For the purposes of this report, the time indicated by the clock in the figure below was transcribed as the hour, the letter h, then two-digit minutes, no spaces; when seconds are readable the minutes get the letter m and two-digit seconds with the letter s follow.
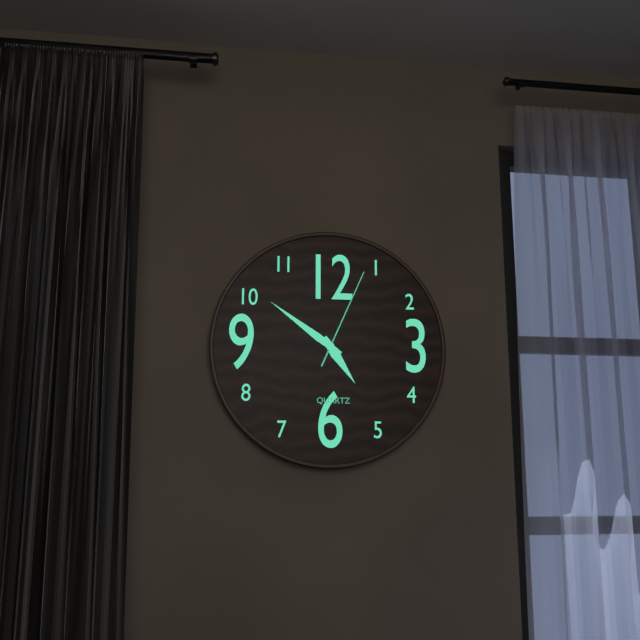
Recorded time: 4h51m04s
